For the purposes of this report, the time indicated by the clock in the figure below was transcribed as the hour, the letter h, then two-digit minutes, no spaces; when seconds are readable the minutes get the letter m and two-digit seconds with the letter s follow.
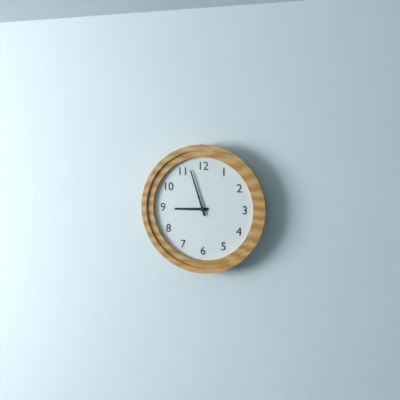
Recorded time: 8h57
